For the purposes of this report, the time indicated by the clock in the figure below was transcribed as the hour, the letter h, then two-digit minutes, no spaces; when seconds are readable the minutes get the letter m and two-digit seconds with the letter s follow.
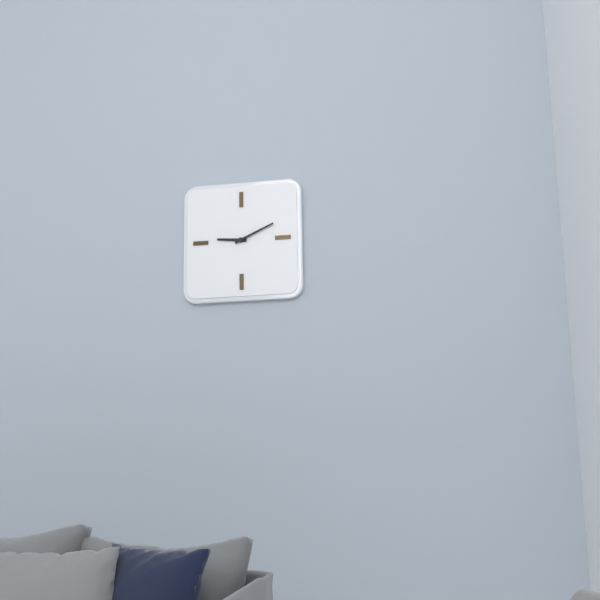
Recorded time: 9h11
